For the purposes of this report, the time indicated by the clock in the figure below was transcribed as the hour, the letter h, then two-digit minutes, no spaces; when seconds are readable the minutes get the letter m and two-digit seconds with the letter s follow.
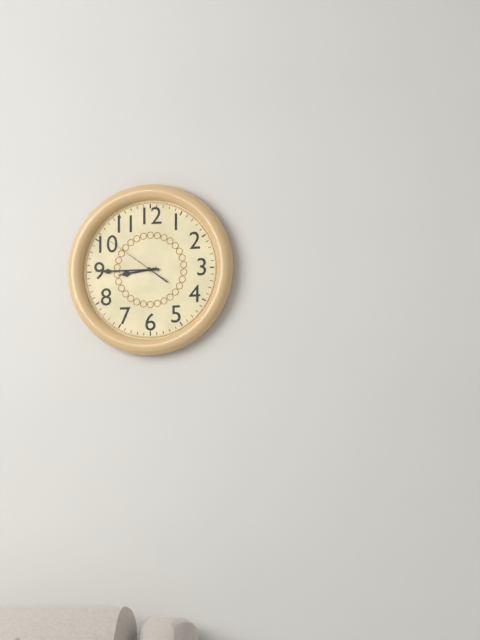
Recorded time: 8h45m51s
